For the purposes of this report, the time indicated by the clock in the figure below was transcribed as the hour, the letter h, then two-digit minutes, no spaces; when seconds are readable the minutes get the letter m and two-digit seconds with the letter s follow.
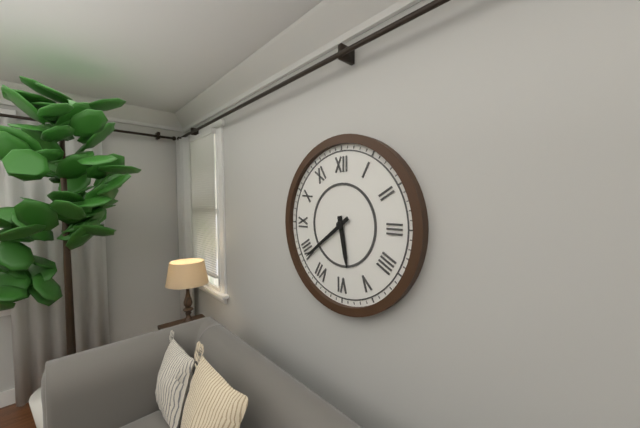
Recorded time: 5h39
